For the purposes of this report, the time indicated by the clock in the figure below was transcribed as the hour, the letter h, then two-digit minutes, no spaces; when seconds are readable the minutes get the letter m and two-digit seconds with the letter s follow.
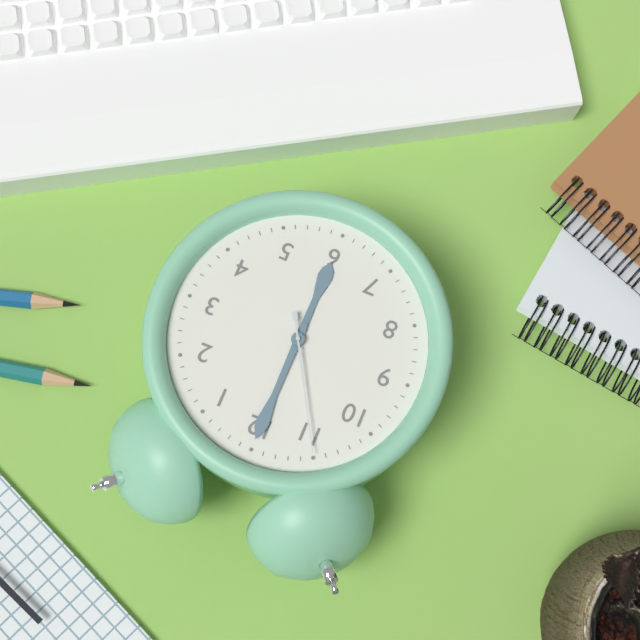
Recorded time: 6h00m55s
